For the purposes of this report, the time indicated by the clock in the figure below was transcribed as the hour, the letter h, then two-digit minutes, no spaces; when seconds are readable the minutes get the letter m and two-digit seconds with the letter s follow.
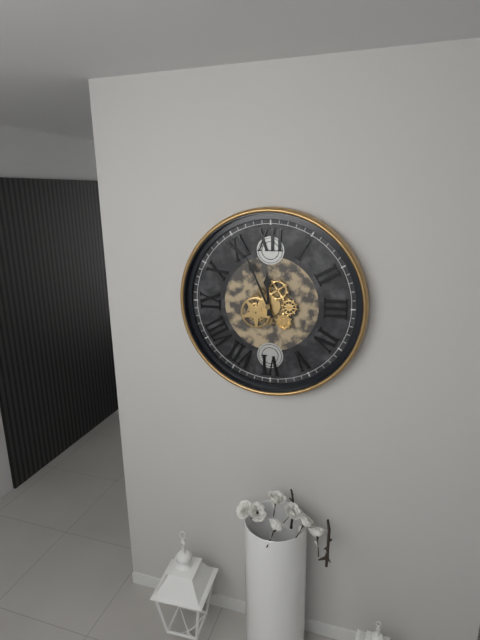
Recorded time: 11h56
